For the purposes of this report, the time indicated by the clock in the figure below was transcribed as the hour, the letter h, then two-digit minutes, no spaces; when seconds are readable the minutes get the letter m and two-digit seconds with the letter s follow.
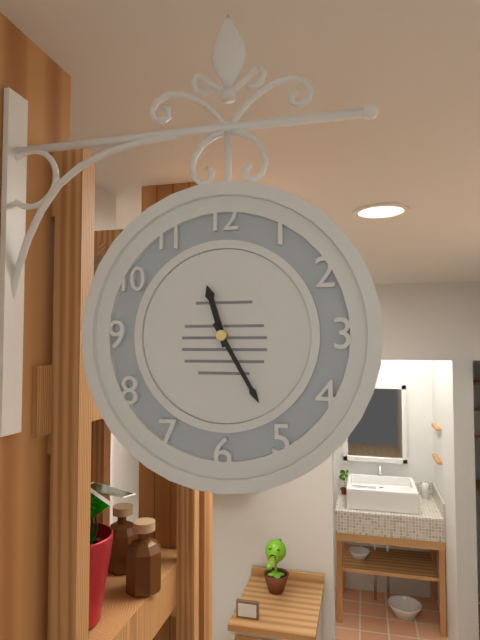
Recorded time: 11h25
